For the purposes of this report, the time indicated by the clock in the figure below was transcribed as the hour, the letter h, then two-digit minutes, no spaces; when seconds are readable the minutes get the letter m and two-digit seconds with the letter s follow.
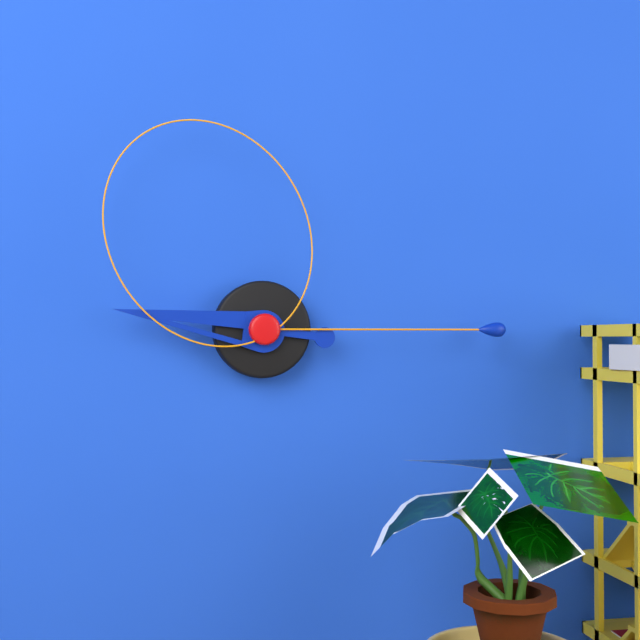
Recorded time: 9h15m55s
